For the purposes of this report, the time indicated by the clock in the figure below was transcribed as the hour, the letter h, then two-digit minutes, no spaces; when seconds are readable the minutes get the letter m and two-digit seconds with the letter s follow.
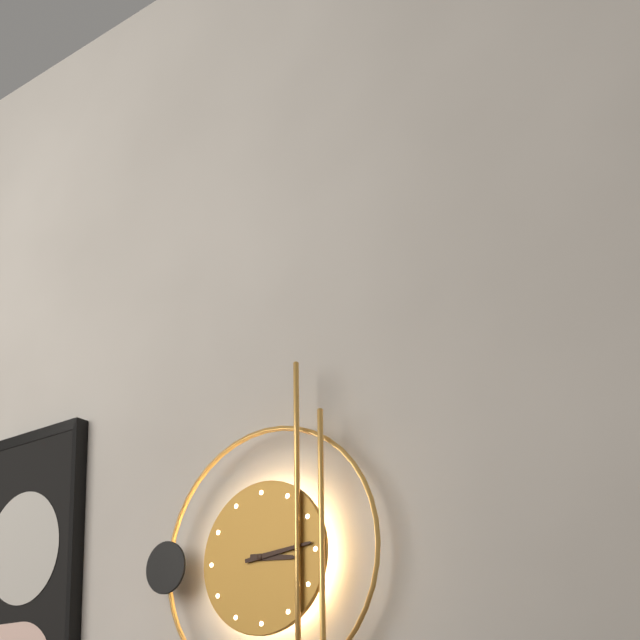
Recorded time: 3h14
